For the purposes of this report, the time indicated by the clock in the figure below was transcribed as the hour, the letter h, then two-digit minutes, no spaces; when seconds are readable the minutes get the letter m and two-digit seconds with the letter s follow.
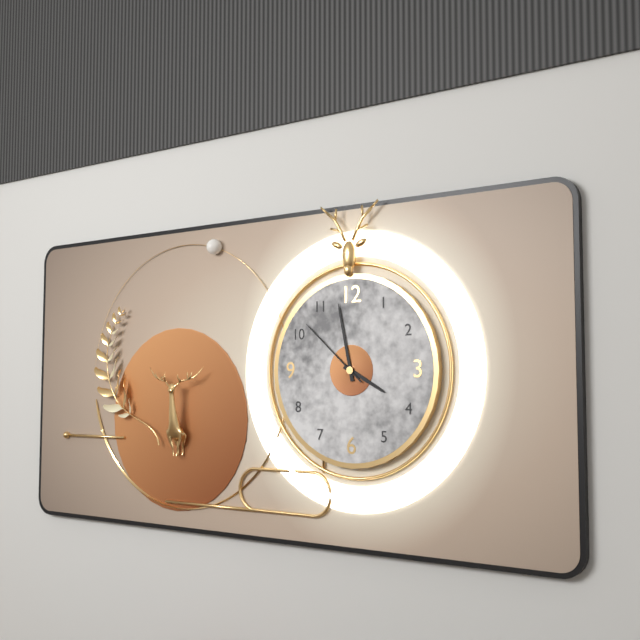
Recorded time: 3h58m52s
